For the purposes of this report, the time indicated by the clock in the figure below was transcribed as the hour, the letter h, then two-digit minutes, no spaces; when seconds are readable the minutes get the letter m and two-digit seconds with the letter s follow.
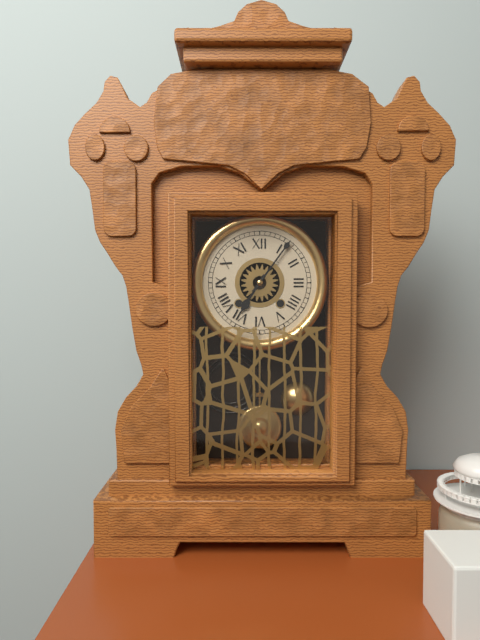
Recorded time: 7h06
